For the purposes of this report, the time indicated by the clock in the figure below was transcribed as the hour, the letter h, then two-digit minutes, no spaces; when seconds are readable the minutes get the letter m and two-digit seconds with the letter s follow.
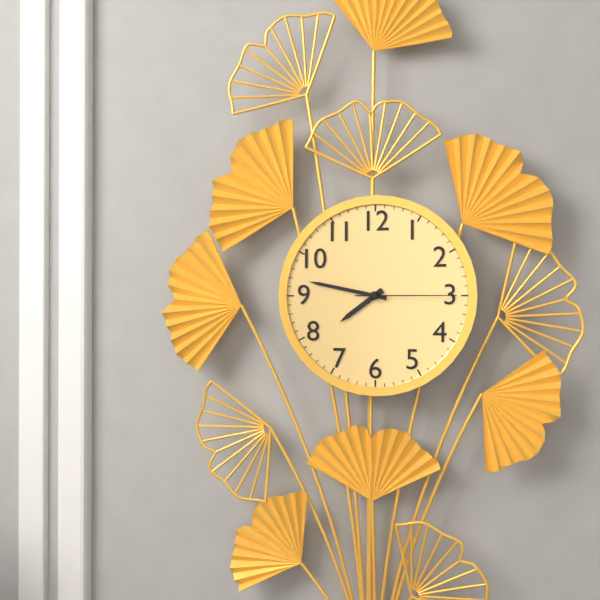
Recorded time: 7h47m15s
